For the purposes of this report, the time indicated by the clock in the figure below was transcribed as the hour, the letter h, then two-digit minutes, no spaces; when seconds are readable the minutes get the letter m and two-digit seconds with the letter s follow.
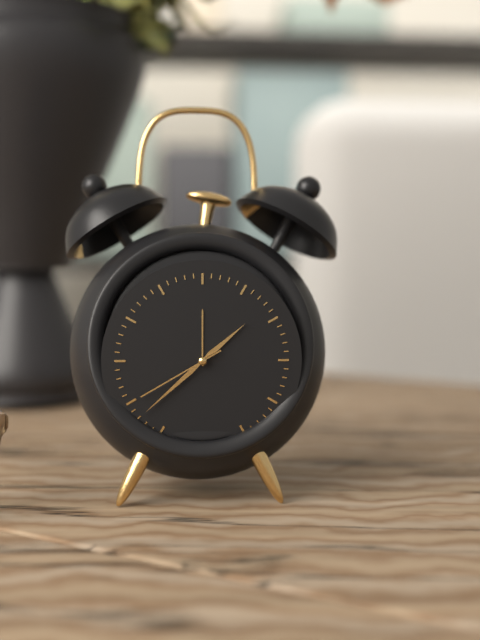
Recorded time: 1h38m40s
